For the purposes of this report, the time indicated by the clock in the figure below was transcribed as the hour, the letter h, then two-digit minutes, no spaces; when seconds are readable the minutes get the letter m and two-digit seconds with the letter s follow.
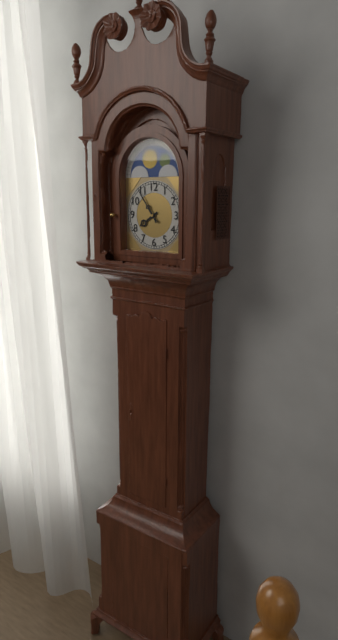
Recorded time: 7h54
